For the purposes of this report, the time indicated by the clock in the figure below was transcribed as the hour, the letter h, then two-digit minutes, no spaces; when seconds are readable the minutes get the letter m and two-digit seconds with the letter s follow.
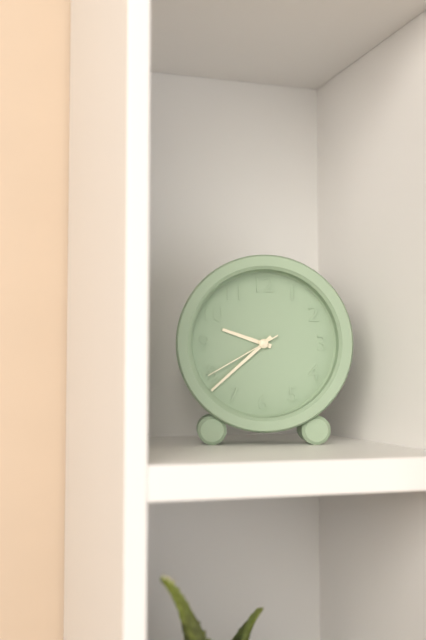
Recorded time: 9h38m40s
